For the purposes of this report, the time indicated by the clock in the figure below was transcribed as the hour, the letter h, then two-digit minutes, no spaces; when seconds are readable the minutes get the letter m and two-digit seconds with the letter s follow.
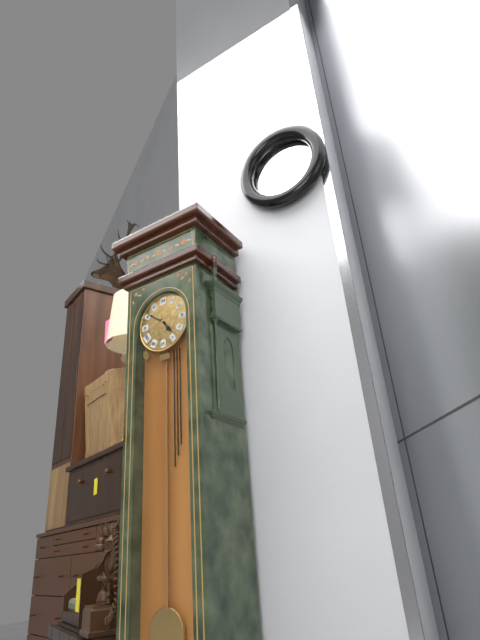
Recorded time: 4h51
